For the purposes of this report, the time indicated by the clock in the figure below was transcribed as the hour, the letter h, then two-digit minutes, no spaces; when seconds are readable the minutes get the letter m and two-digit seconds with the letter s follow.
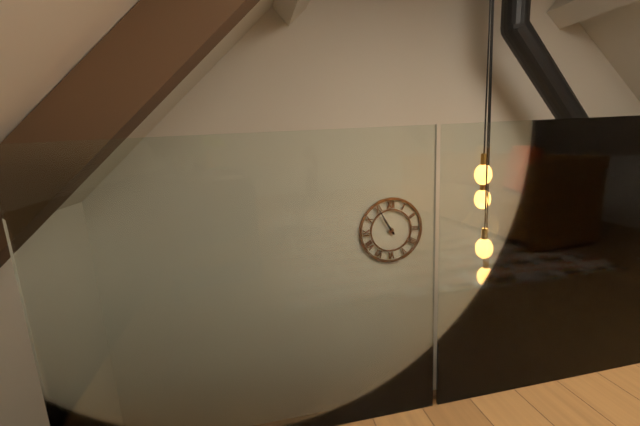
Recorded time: 10h55
